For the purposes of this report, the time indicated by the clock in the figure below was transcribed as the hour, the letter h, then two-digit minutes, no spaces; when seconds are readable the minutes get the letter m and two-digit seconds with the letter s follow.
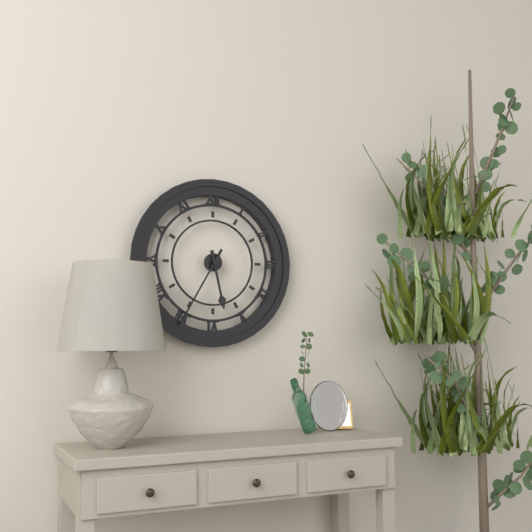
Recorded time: 5h35
